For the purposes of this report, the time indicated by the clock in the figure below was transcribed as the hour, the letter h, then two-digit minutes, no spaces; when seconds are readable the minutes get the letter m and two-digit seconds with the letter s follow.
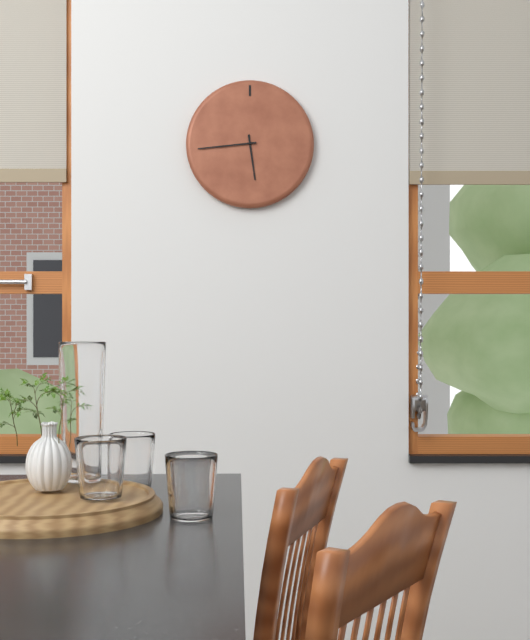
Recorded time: 5h44
